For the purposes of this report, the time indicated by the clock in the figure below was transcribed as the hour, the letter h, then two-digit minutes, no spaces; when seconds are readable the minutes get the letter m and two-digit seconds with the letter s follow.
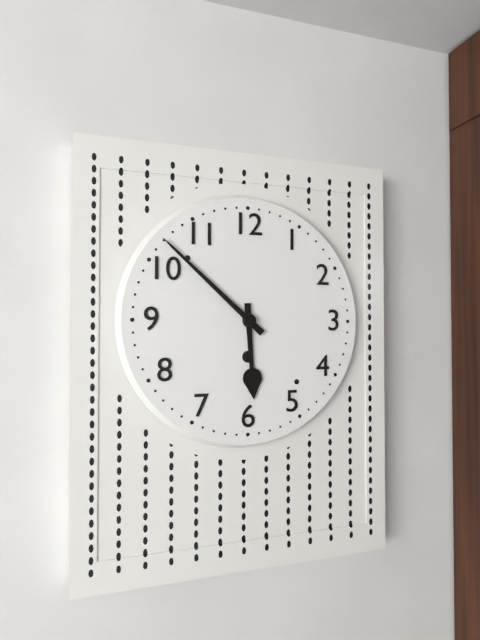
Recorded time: 5h52
